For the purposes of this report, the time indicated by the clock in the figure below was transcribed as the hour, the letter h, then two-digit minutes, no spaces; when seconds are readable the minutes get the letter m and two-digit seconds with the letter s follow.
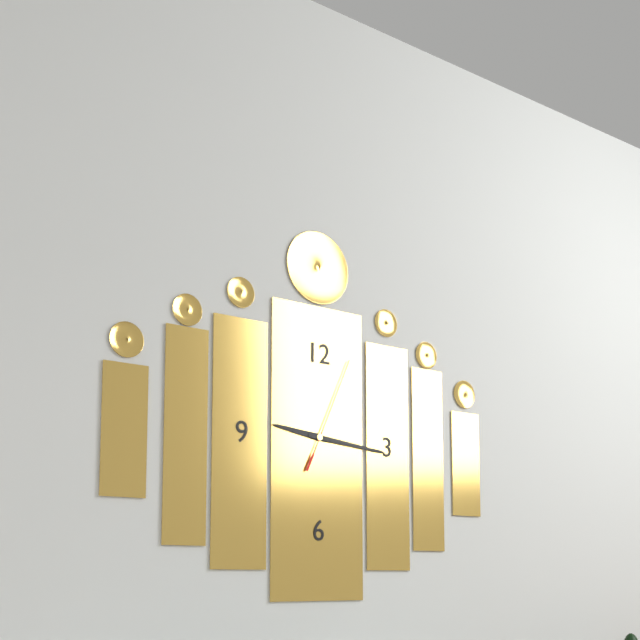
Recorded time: 9h16m04s
